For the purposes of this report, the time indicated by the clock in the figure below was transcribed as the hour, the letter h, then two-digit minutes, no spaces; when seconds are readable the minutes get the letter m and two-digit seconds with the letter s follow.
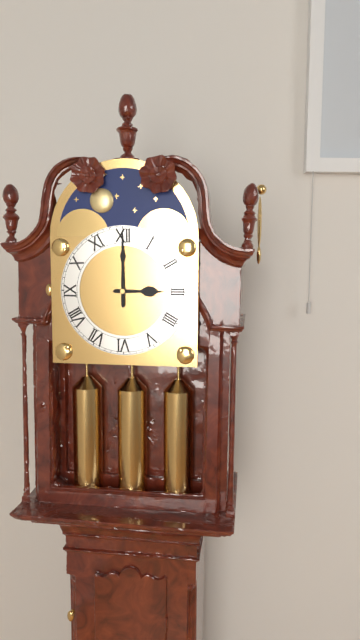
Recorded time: 3h00
